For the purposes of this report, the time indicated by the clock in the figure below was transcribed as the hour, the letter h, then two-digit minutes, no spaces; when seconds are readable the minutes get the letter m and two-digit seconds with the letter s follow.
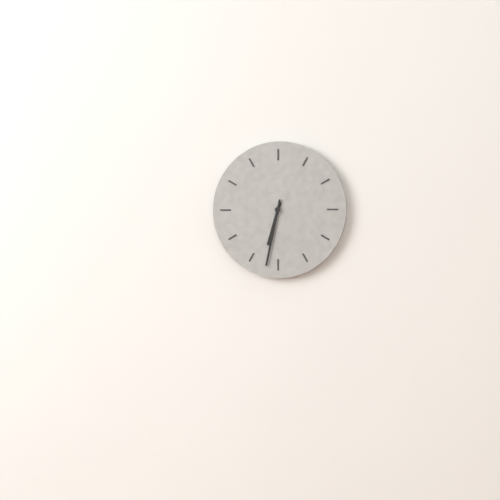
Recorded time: 6h32
